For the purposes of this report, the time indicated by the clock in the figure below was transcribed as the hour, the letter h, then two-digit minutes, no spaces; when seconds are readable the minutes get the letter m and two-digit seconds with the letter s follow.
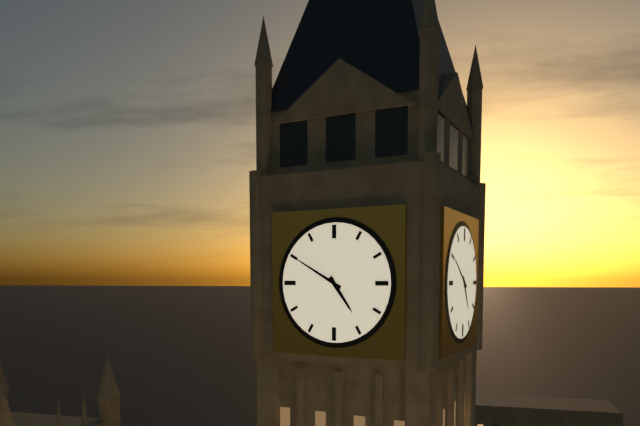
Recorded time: 4h50
